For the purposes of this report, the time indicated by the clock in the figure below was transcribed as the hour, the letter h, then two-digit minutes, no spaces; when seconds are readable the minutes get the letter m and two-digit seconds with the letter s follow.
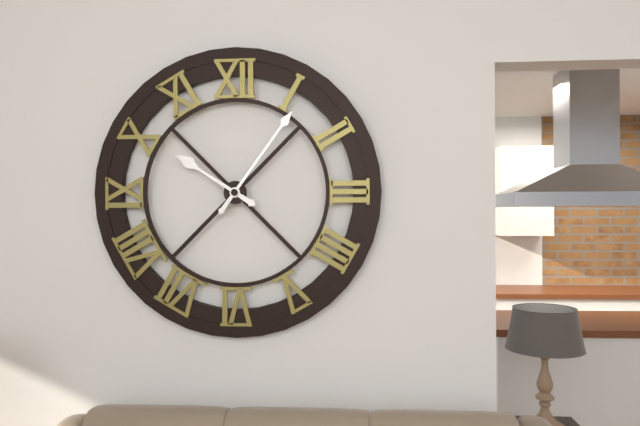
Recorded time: 10h06
